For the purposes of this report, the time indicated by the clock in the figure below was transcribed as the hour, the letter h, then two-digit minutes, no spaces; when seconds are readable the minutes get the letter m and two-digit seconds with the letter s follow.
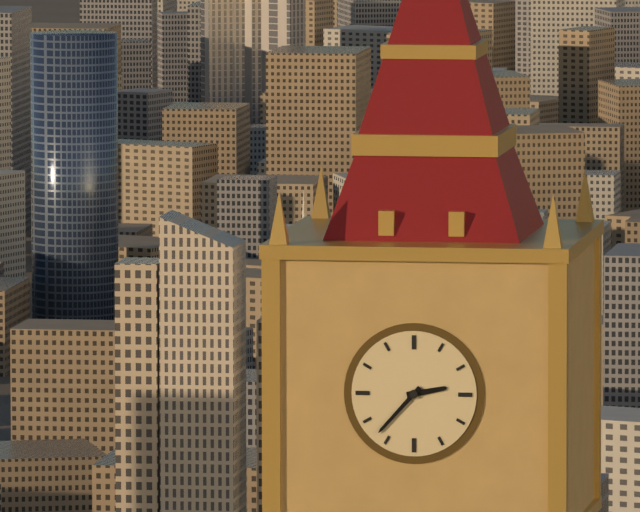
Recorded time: 2h37
